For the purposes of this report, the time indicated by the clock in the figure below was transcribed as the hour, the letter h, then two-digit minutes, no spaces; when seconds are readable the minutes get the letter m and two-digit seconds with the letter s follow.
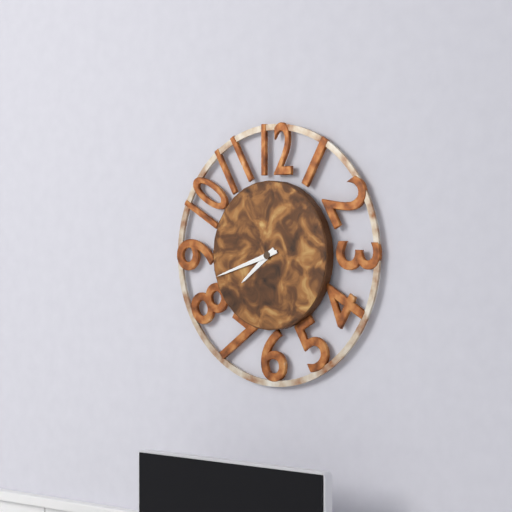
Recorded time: 7h42
